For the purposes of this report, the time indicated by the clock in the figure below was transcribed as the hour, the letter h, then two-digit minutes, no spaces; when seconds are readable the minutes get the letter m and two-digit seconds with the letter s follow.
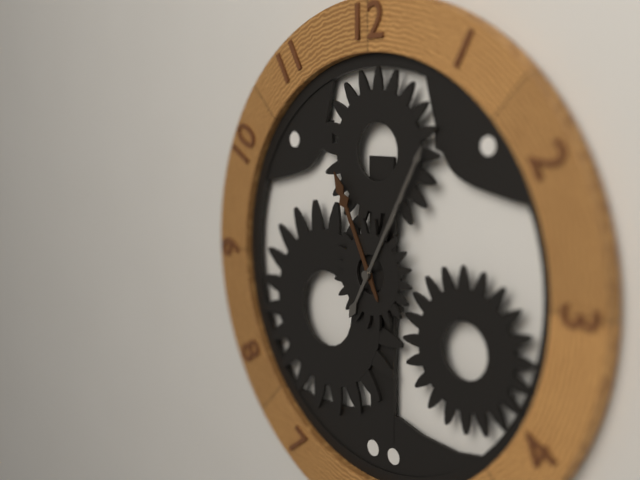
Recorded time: 11h05
